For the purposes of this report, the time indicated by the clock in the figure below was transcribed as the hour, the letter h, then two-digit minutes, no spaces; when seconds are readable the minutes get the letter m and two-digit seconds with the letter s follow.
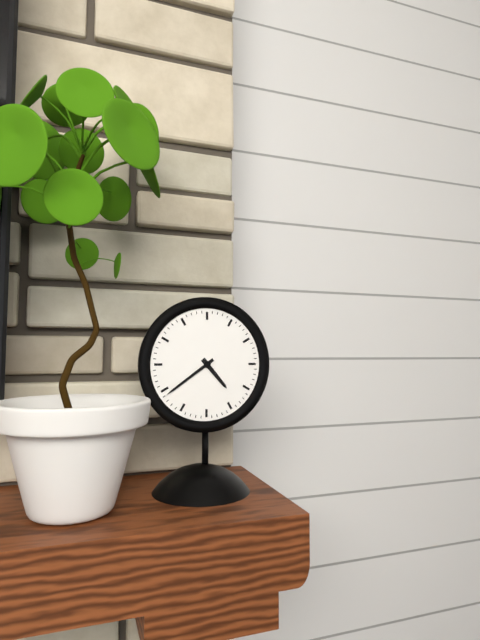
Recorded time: 4h39
